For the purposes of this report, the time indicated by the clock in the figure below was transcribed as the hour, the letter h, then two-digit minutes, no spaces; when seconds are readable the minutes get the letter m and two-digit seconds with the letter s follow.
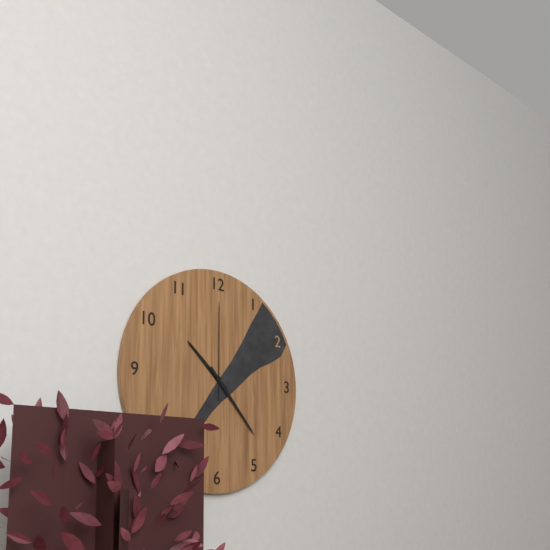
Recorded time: 10h23m00s
